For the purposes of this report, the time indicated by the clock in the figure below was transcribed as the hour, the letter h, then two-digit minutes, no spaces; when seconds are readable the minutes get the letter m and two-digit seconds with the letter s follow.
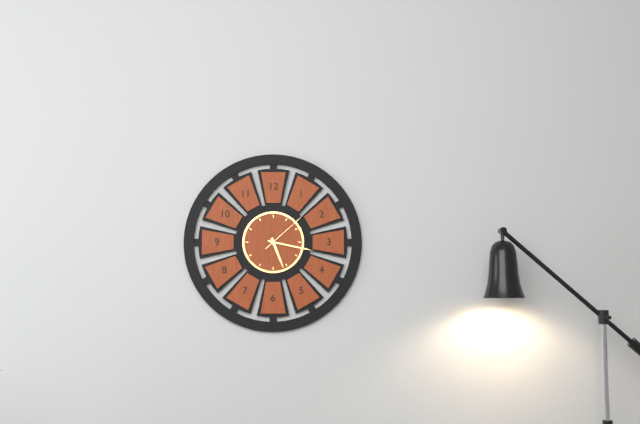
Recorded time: 5h17
